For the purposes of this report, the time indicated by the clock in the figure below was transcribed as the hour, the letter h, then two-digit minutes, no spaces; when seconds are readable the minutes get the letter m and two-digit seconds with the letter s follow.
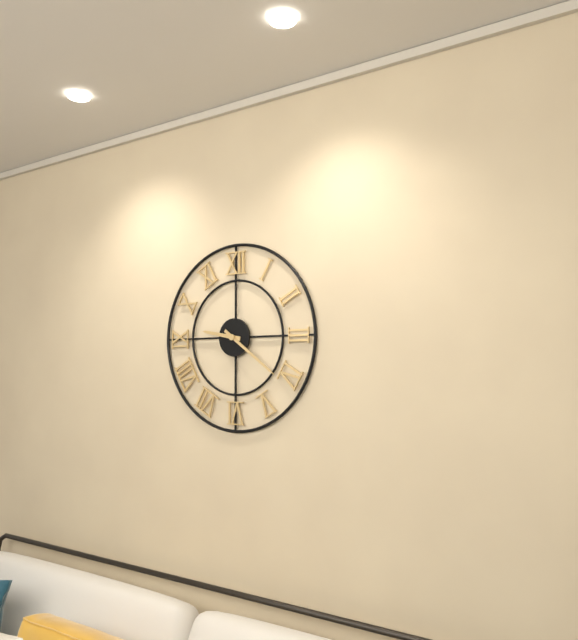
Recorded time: 9h21
